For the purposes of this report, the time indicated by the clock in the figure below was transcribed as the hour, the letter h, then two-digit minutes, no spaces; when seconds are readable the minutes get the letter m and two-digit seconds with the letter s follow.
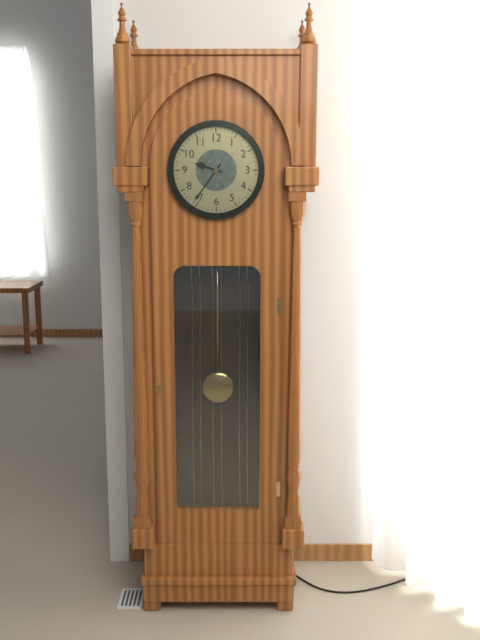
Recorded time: 9h36
